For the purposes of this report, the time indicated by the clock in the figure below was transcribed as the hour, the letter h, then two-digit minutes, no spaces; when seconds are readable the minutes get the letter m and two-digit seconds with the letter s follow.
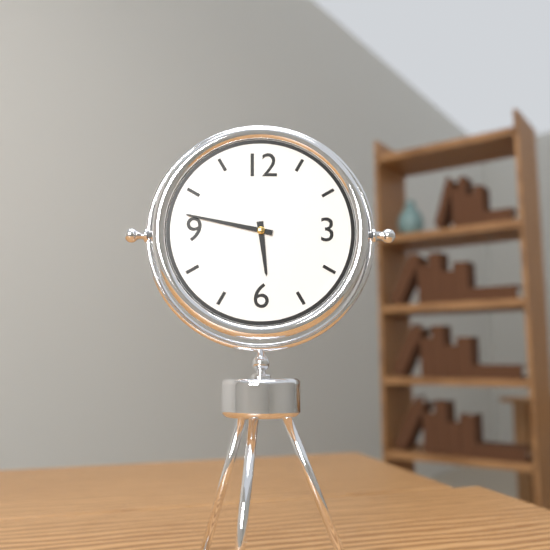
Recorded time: 5h47
